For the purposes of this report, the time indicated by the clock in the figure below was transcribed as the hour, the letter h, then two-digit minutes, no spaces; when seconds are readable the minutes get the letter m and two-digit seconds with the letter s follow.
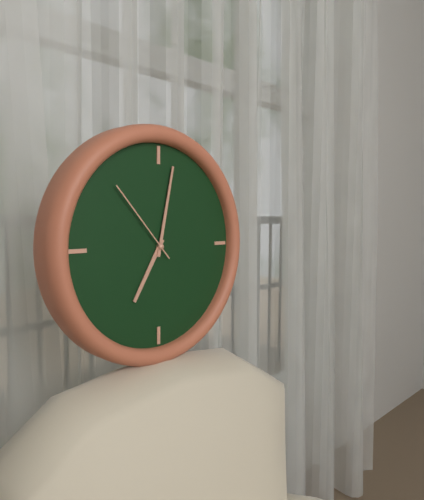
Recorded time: 7h02m53s
